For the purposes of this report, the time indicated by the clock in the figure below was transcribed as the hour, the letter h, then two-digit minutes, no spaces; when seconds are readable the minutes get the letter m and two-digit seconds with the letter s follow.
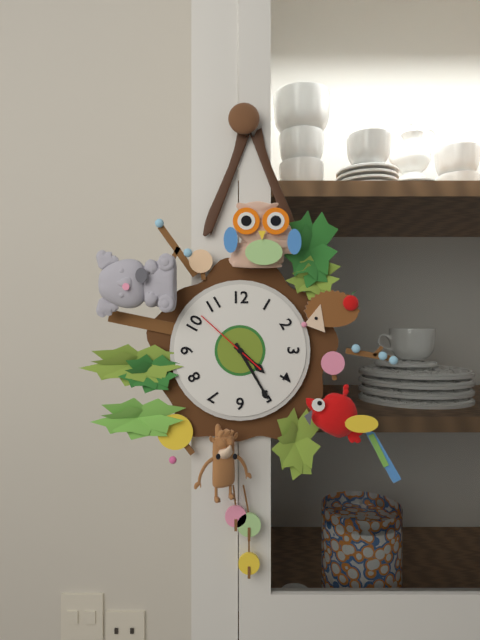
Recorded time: 4h25m52s
